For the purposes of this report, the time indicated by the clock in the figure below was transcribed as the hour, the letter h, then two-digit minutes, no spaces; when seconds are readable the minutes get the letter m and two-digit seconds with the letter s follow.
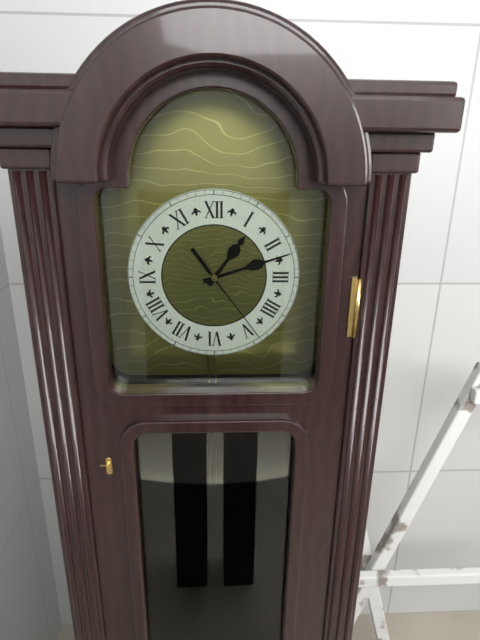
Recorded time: 1h12m24s
